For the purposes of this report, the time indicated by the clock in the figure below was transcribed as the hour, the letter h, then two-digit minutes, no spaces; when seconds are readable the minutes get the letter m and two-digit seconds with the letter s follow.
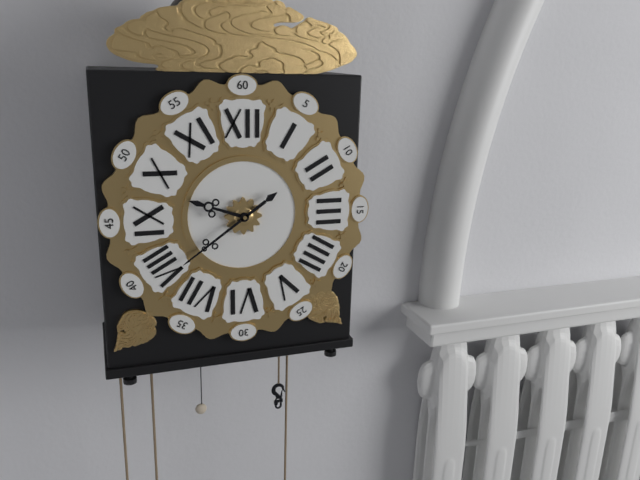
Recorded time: 9h39
